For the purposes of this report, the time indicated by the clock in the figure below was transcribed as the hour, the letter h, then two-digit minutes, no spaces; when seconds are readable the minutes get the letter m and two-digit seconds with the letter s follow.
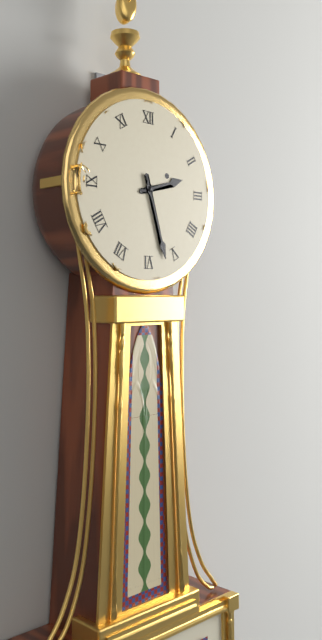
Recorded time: 2h27
